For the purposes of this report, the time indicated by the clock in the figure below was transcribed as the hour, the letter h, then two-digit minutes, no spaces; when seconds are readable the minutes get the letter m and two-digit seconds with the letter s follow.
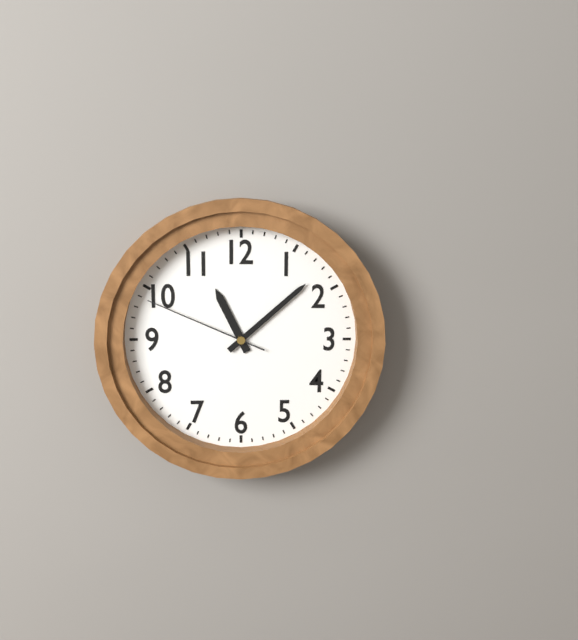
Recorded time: 11h08m49s
